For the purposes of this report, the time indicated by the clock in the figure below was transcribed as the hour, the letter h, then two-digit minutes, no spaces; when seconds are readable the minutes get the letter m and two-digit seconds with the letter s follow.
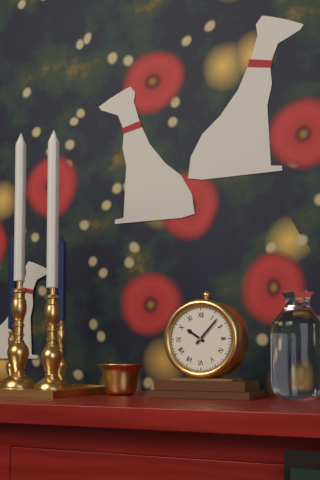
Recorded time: 10h07
